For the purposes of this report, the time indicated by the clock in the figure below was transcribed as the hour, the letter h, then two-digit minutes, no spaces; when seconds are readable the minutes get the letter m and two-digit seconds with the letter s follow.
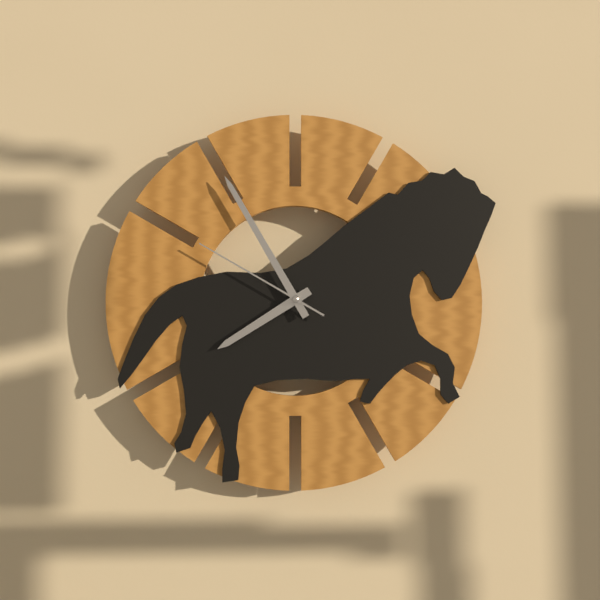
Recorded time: 7h55m50s
